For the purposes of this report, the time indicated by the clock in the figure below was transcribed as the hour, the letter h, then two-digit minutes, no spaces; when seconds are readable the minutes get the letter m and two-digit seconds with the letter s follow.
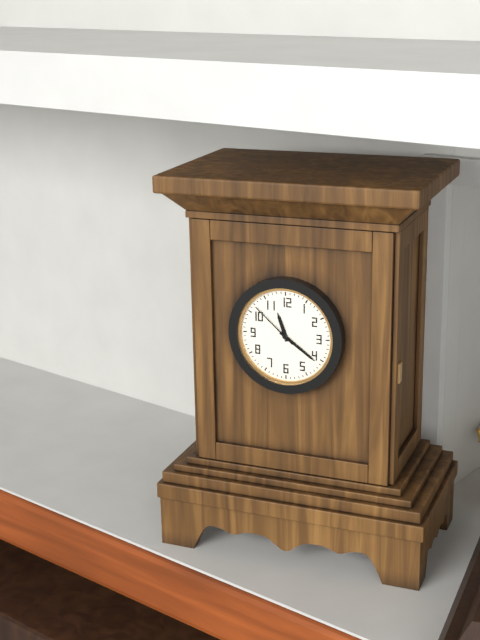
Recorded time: 11h21m52s
